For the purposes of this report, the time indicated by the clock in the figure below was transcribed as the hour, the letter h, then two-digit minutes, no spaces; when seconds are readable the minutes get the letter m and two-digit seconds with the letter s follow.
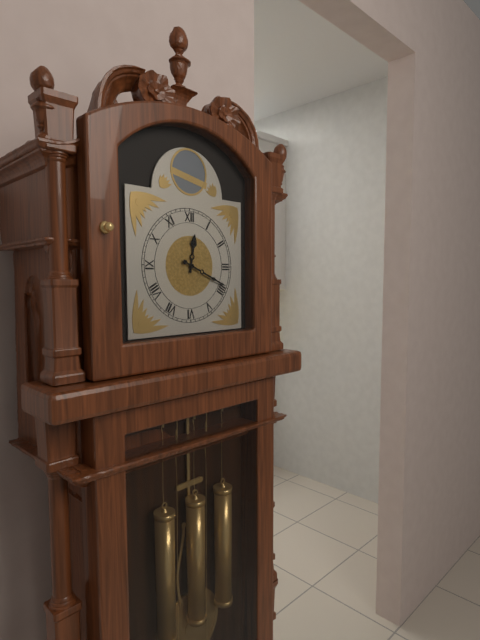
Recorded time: 12h19
